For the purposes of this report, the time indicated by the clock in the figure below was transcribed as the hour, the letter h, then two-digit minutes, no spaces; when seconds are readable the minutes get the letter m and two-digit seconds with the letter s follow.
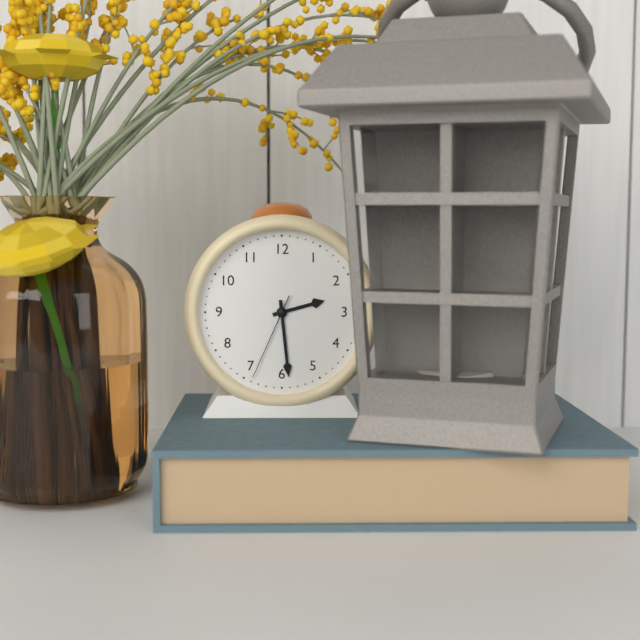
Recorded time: 2h29m34s
